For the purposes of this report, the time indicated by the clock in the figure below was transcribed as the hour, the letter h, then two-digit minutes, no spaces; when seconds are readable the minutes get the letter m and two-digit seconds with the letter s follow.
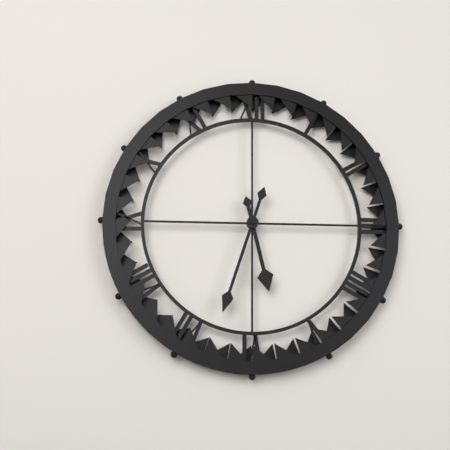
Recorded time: 5h33
